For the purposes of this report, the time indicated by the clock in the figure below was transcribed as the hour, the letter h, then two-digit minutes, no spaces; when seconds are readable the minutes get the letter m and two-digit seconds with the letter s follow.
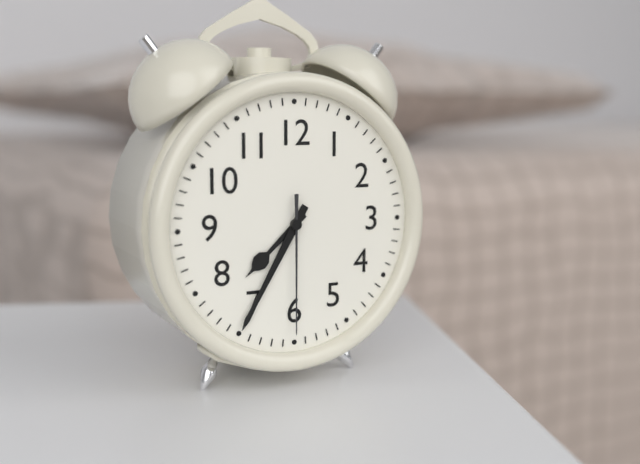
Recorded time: 7h35m30s
